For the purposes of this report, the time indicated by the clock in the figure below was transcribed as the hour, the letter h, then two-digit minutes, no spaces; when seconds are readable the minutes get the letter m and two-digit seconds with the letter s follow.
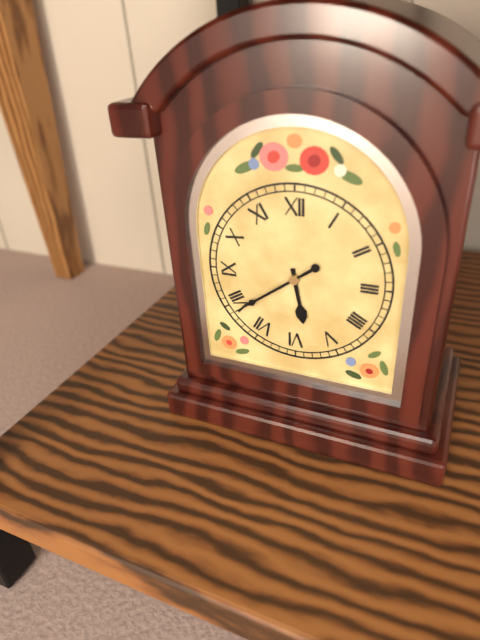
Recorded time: 5h39
